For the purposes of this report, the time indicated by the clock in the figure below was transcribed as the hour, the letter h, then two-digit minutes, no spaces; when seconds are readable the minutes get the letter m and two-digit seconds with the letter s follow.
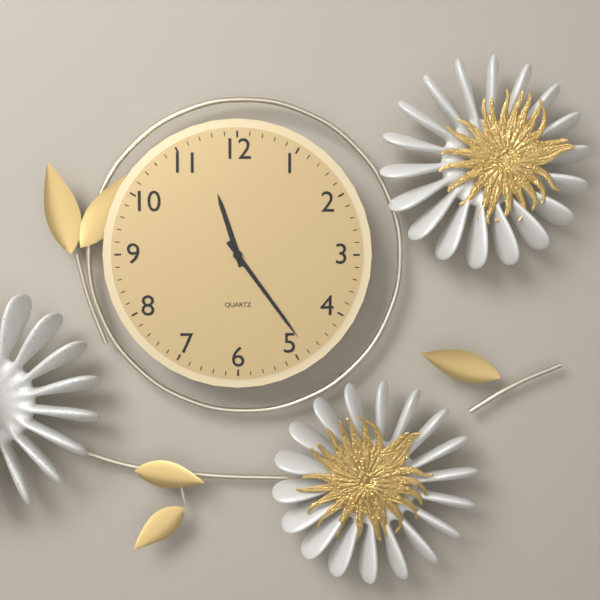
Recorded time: 11h24
